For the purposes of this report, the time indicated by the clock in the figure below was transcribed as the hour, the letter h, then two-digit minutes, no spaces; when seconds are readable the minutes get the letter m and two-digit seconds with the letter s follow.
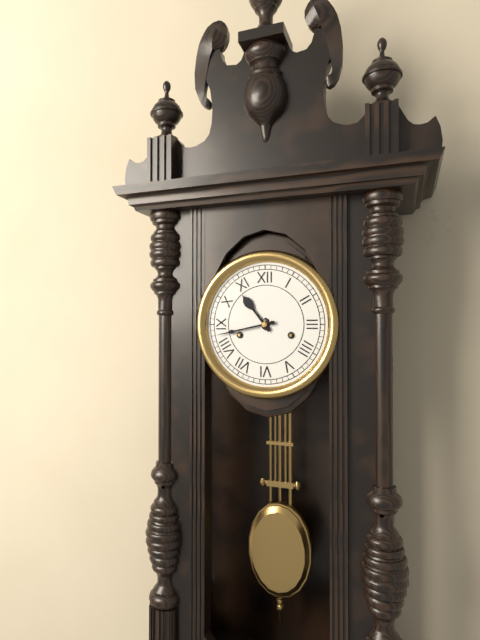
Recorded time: 10h43
